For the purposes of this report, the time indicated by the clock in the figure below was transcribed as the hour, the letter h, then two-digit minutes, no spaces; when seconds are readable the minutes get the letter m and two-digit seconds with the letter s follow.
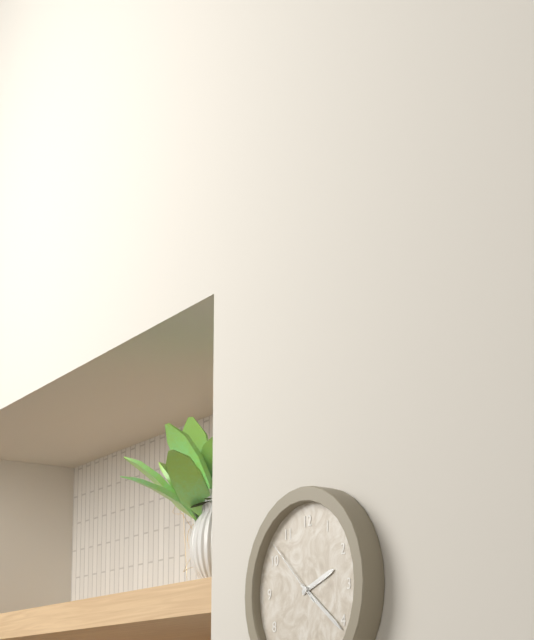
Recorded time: 2h21m52s
